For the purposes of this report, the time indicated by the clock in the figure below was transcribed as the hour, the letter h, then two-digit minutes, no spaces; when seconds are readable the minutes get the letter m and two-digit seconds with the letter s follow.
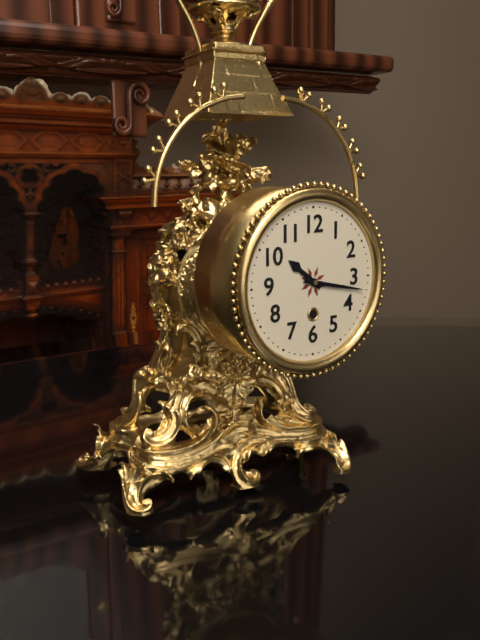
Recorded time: 10h17
